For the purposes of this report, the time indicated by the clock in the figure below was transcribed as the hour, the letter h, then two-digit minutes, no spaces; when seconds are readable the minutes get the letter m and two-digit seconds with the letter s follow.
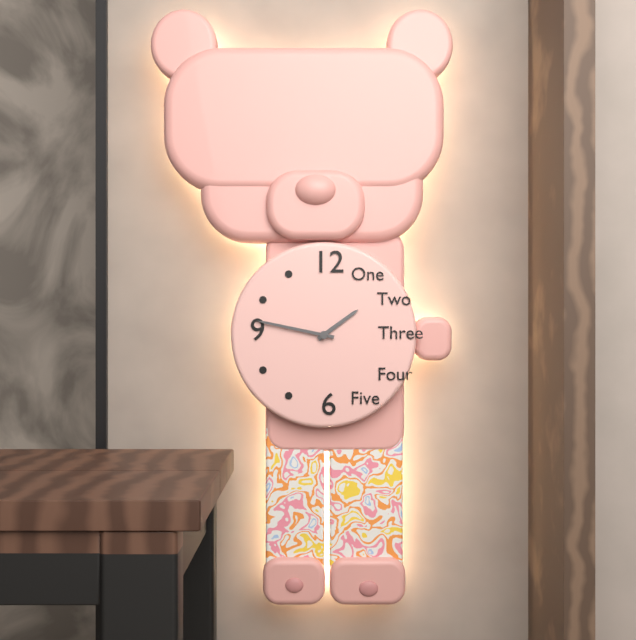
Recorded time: 1h47
